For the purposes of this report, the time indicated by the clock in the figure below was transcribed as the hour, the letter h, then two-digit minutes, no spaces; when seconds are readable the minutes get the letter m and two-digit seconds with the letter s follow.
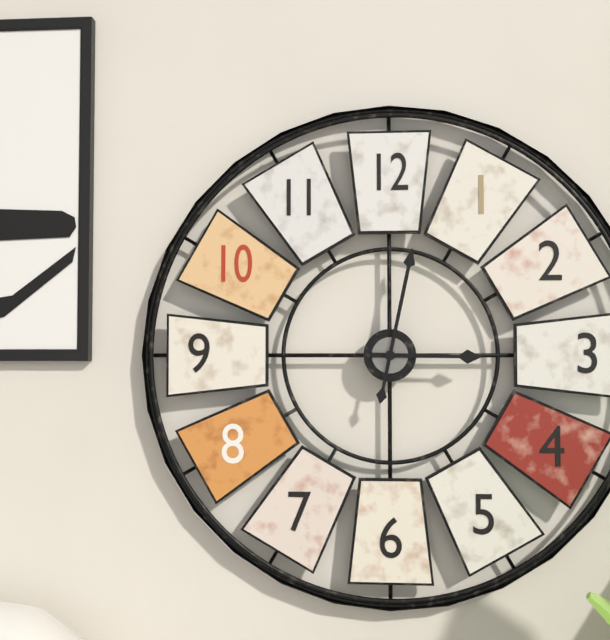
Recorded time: 3h02
